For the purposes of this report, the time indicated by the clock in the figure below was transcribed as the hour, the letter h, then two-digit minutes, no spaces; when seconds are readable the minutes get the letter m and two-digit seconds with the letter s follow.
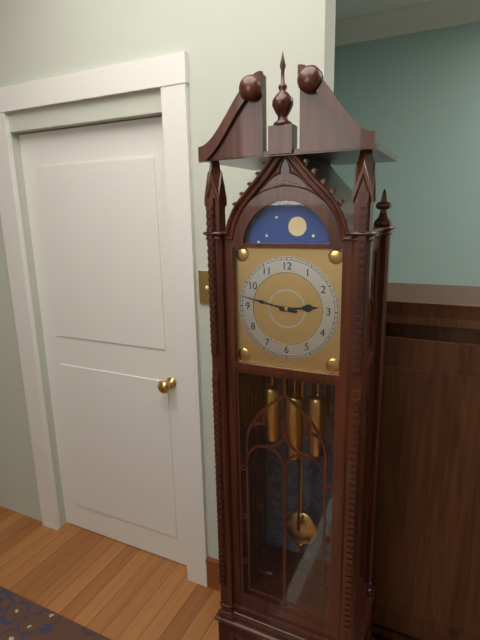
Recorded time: 2h47
